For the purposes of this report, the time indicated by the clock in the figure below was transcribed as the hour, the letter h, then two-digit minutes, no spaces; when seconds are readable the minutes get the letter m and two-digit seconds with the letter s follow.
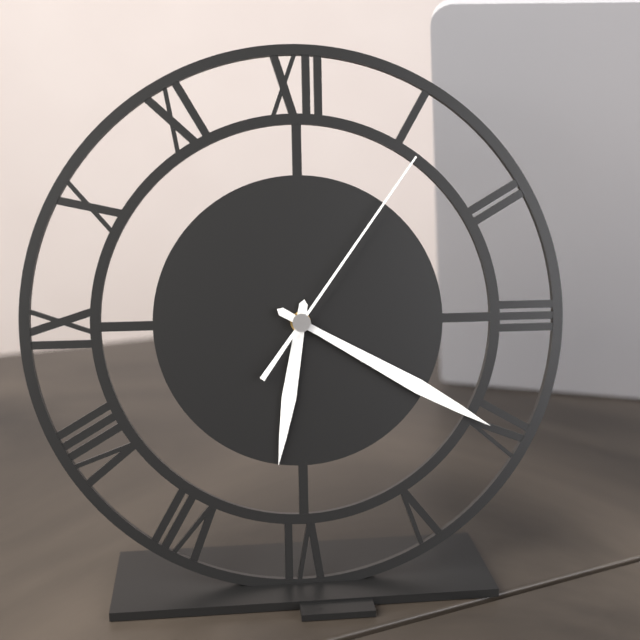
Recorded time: 6h20m06s
